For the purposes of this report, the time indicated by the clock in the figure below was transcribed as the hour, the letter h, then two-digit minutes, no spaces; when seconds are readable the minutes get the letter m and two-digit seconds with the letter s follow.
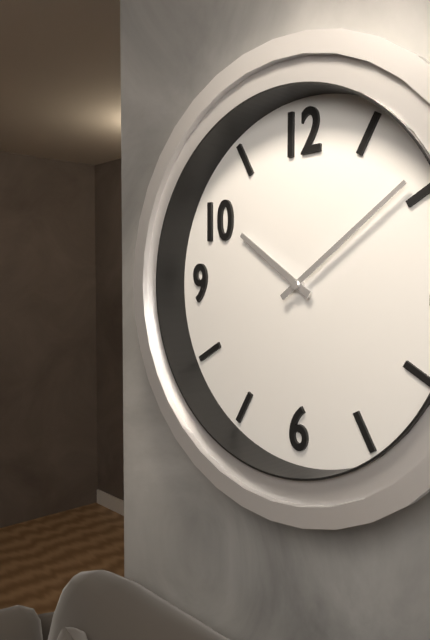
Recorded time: 10h09
